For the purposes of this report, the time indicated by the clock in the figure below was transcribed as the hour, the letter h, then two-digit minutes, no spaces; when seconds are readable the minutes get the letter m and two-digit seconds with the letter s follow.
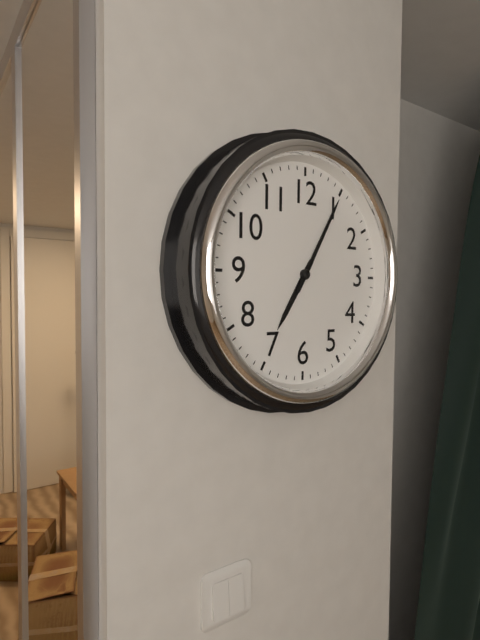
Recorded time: 7h05
